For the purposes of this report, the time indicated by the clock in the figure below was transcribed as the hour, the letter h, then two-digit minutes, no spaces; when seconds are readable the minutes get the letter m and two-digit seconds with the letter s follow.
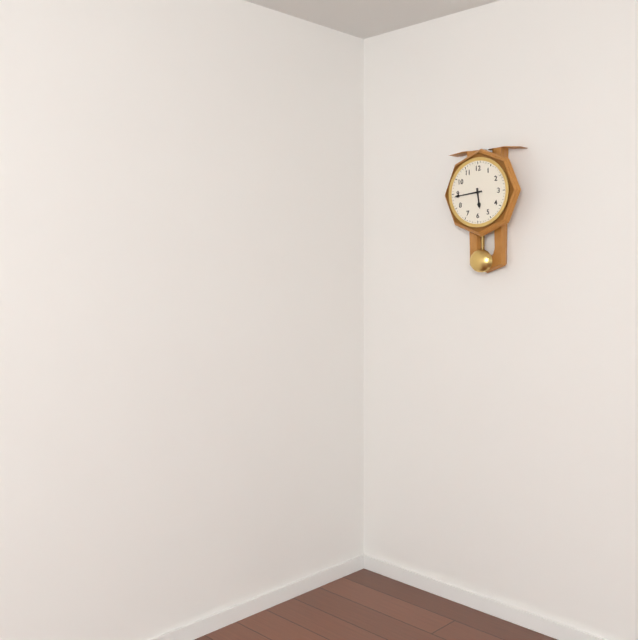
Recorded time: 5h44
